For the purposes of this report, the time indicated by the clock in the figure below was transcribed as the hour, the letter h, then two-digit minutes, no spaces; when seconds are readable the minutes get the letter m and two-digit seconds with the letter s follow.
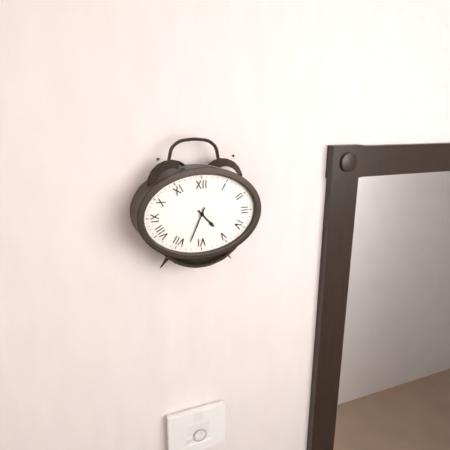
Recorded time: 4h34
